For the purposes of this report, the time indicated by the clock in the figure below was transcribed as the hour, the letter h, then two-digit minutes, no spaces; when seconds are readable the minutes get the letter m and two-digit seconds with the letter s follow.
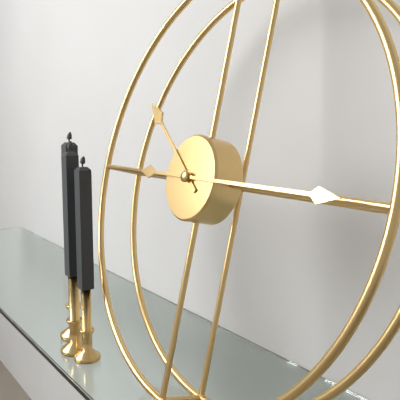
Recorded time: 10h15
